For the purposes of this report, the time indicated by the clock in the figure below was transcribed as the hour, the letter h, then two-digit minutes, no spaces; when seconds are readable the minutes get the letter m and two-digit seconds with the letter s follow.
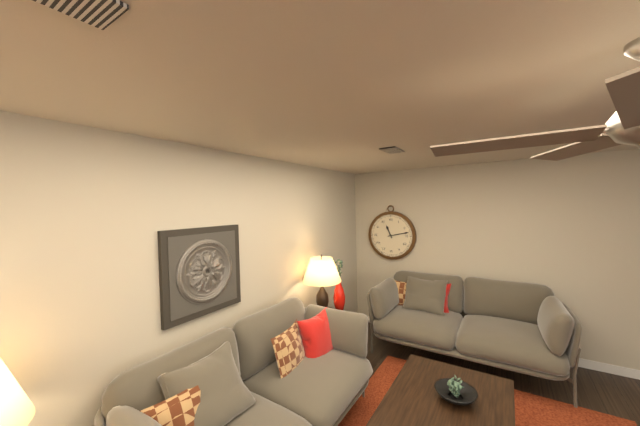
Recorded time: 11h13
